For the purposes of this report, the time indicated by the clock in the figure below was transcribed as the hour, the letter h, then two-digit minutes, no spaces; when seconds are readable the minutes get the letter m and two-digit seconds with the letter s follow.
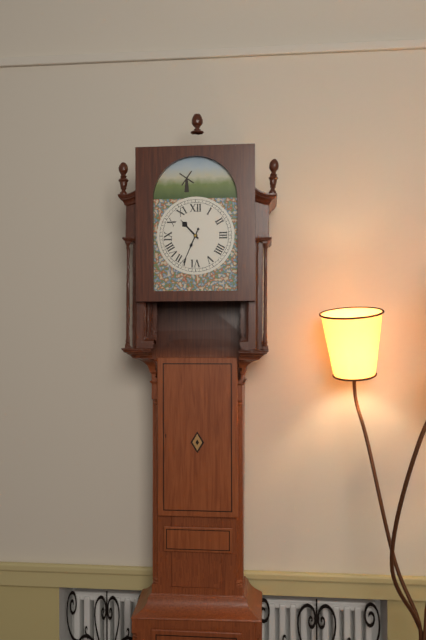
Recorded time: 10h34
